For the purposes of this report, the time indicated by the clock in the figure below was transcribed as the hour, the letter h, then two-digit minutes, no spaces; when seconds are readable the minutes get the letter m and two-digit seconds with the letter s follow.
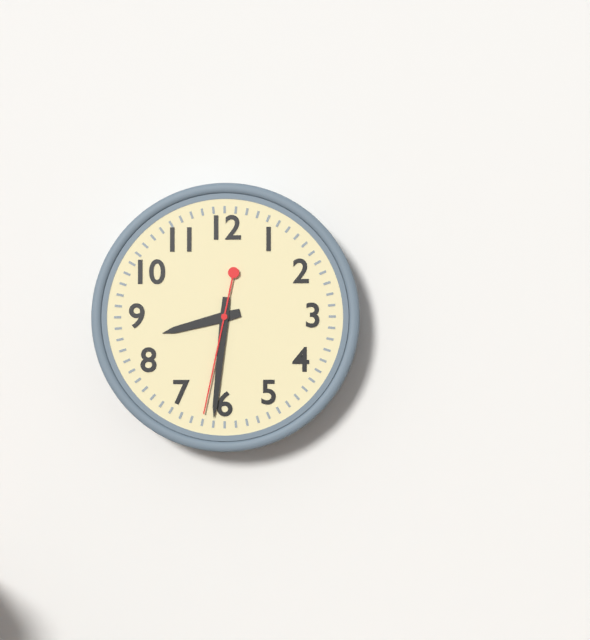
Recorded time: 8h31m32s
